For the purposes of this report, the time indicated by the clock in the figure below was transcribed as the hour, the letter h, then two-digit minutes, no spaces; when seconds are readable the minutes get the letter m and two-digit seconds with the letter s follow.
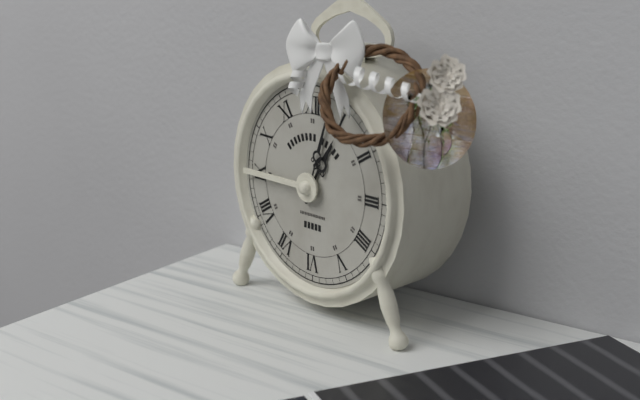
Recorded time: 1h03
